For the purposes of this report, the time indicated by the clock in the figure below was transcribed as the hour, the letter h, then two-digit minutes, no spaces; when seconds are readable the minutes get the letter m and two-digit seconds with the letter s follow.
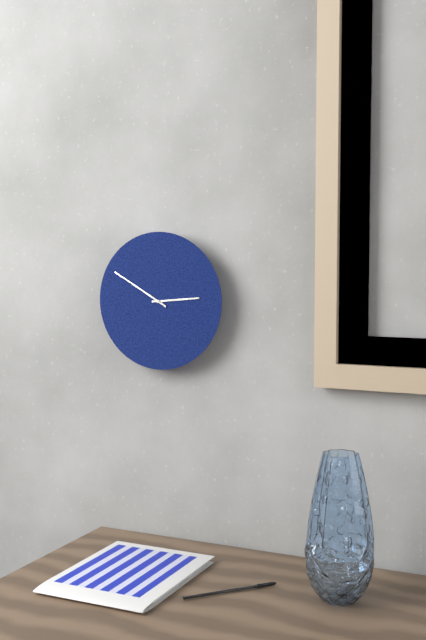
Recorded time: 2h50
